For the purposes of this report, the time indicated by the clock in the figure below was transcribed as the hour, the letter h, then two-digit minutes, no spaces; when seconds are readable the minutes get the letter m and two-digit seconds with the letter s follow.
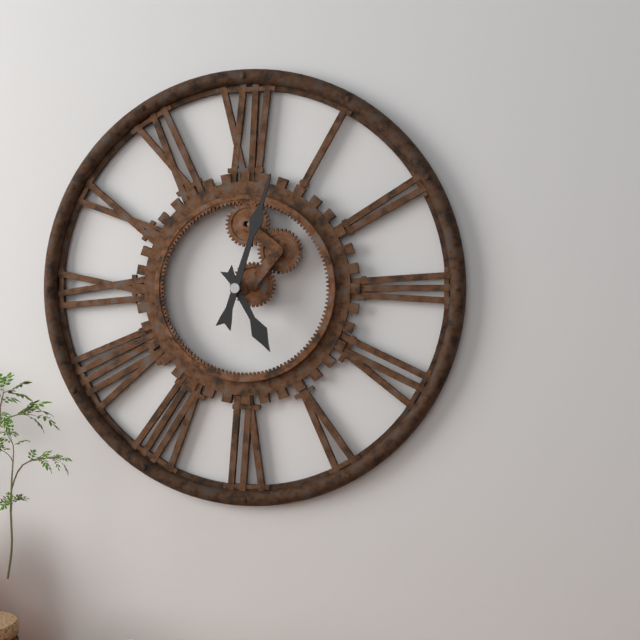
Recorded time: 5h03
